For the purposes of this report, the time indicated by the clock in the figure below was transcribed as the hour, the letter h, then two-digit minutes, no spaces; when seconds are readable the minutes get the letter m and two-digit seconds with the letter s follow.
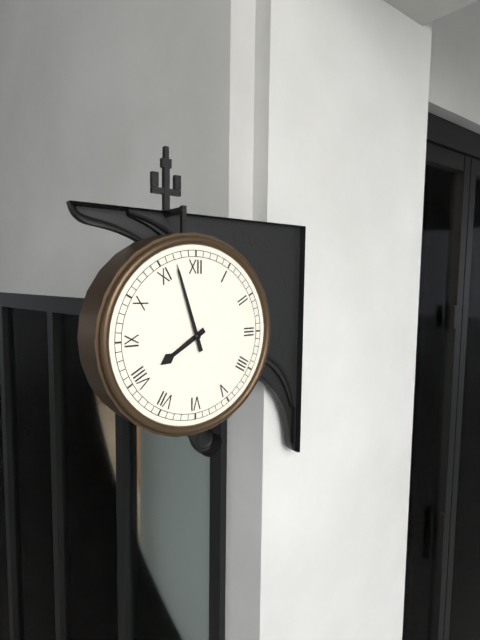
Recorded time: 7h57
